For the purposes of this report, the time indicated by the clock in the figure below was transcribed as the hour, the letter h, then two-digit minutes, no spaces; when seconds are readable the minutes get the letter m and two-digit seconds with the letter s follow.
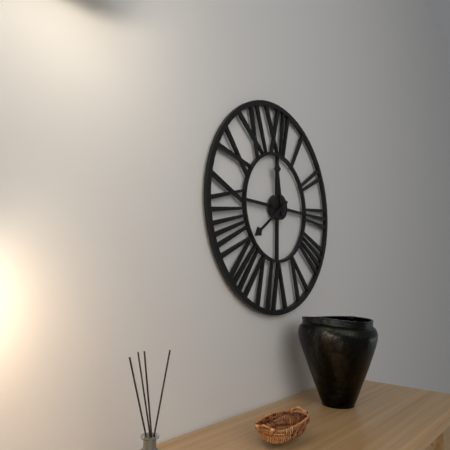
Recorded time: 11h39
